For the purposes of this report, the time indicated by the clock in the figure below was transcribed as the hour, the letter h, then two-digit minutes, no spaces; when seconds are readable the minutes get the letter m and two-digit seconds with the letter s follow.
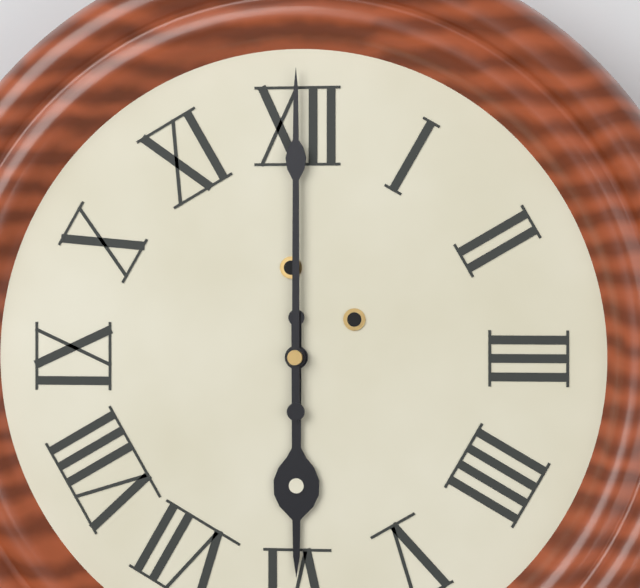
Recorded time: 6h00
